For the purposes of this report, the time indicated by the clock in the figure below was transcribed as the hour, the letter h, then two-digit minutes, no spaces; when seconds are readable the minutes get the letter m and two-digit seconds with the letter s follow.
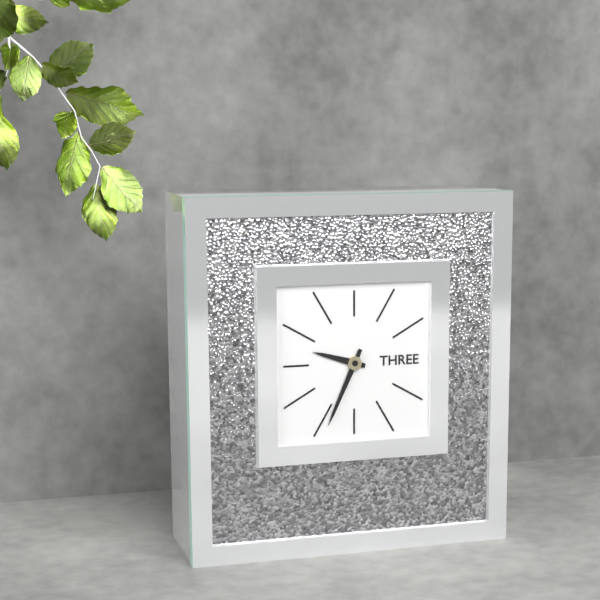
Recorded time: 9h34
